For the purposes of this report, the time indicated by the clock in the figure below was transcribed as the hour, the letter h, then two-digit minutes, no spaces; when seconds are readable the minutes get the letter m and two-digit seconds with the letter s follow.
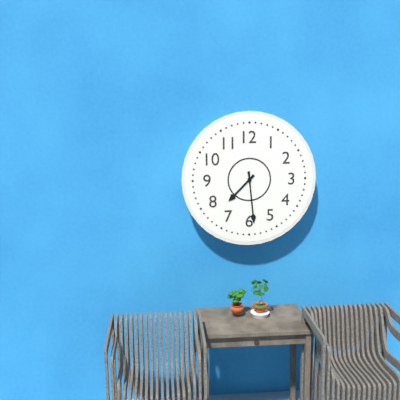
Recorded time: 7h29
